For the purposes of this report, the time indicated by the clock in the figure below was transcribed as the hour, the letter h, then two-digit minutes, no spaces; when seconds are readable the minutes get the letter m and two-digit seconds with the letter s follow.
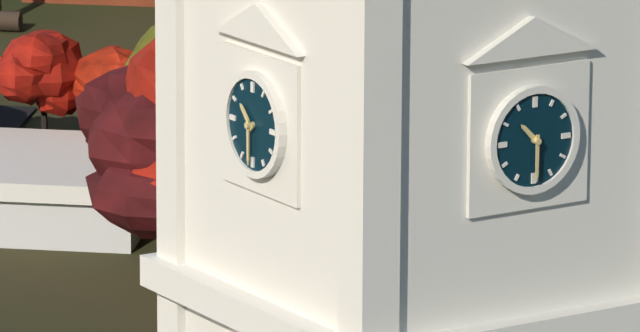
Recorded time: 10h30
